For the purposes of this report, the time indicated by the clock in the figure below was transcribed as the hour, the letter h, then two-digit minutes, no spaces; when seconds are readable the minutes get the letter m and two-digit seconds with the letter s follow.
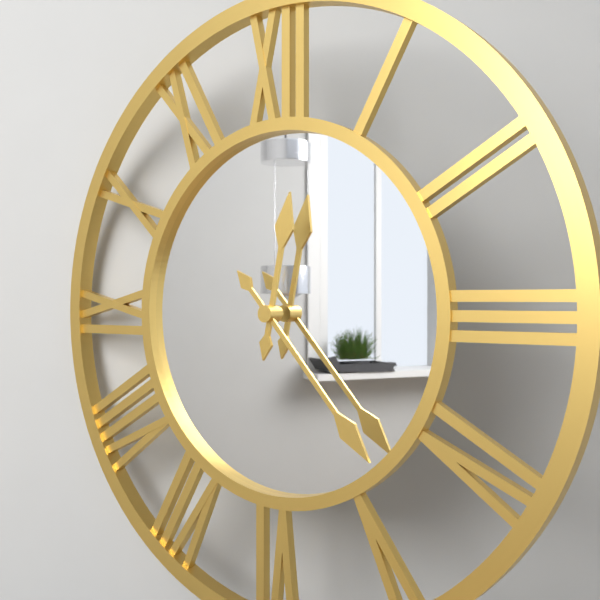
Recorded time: 12h23
